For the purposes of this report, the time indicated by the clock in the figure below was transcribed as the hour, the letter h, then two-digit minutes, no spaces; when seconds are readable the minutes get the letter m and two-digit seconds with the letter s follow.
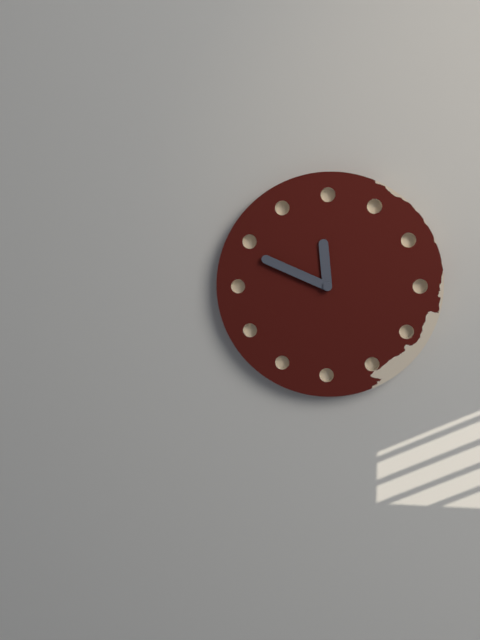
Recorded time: 11h49
